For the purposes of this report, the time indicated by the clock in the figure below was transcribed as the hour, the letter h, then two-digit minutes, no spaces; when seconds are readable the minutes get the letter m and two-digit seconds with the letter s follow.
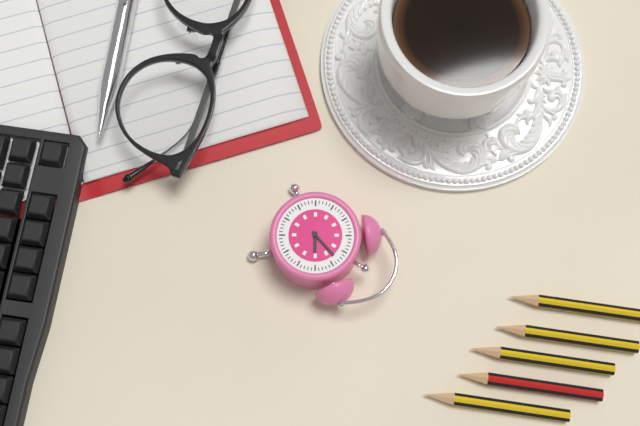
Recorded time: 2h03
